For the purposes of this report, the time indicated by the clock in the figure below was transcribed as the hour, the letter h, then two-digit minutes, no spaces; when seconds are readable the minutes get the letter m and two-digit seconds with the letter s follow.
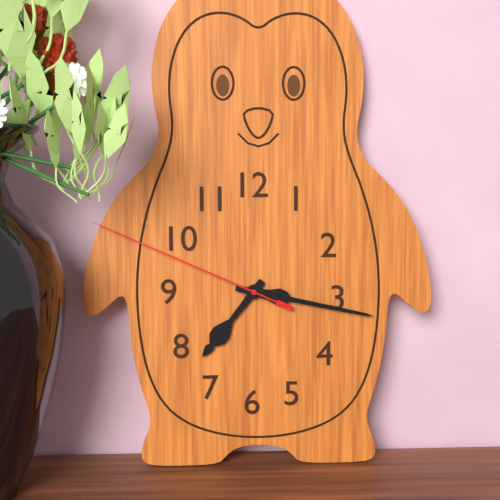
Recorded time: 7h17m49s
